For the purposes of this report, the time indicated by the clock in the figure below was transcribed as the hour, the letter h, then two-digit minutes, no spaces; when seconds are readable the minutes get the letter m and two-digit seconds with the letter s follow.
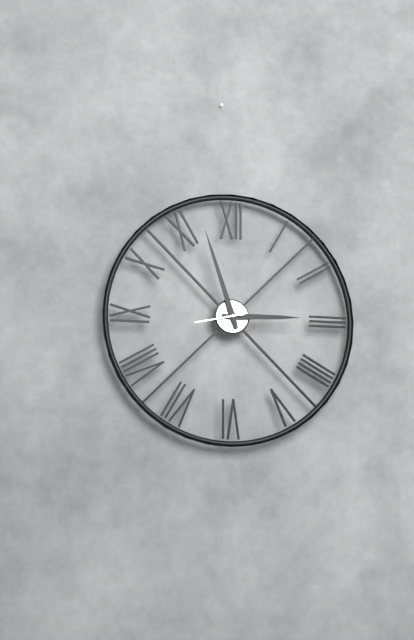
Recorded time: 2h57
